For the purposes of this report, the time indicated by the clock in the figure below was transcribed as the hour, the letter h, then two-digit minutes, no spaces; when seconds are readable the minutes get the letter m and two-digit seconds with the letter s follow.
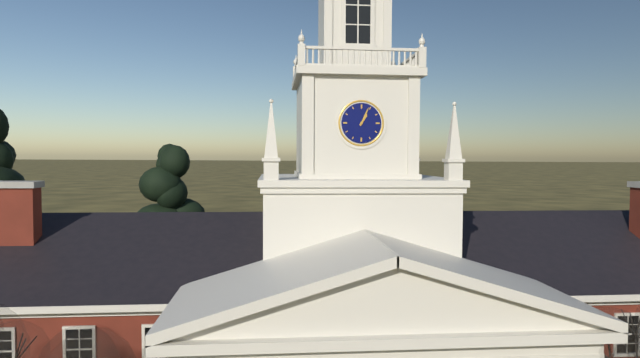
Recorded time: 1h04
